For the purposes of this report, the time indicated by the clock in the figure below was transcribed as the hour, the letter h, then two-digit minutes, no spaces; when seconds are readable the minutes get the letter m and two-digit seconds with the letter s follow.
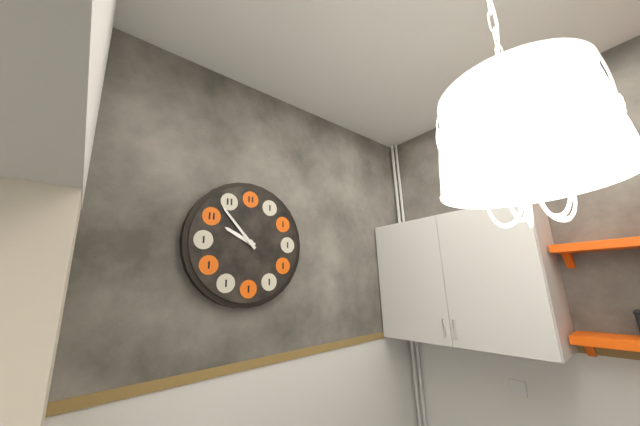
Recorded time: 9h53
